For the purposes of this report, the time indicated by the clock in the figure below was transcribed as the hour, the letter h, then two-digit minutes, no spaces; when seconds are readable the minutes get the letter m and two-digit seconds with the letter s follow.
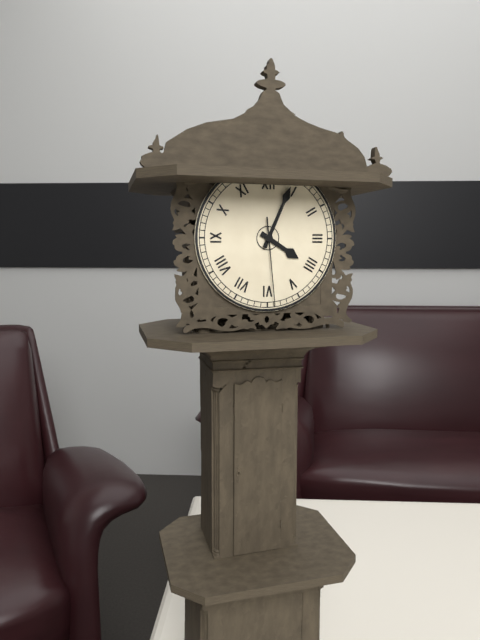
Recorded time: 4h04m29s
